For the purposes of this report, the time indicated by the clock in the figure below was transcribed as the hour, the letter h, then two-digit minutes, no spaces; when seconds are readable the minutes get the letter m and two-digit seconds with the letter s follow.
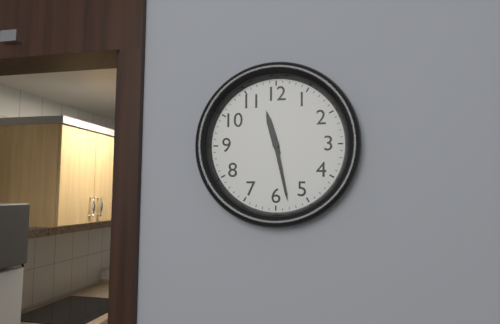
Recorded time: 11h28
